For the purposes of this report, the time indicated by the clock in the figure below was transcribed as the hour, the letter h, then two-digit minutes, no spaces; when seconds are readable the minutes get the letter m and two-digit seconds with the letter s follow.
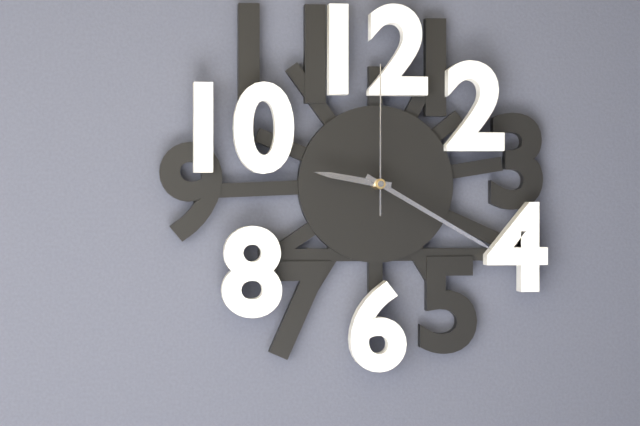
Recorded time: 9h20m00s
